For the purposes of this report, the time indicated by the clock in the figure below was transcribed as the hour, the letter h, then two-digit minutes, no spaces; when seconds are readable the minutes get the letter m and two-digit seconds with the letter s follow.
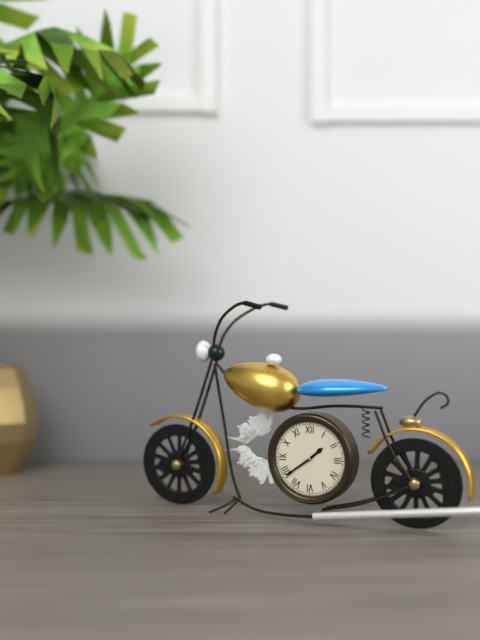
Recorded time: 1h39
